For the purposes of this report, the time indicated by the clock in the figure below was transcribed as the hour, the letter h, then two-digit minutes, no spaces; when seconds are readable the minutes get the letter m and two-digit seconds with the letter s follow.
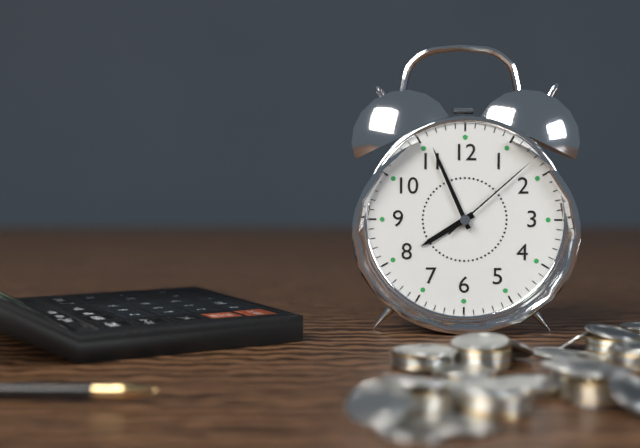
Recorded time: 7h56m08s
